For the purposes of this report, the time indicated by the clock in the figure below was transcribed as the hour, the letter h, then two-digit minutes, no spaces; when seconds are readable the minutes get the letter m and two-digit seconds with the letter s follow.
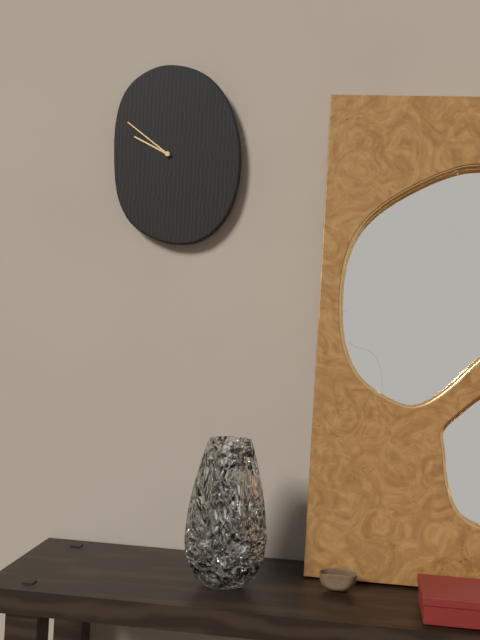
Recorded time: 9h51
